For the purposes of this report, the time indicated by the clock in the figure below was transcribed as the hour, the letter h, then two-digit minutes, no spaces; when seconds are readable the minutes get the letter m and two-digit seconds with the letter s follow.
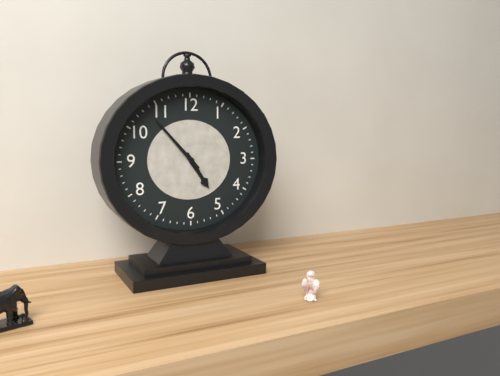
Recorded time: 4h53
